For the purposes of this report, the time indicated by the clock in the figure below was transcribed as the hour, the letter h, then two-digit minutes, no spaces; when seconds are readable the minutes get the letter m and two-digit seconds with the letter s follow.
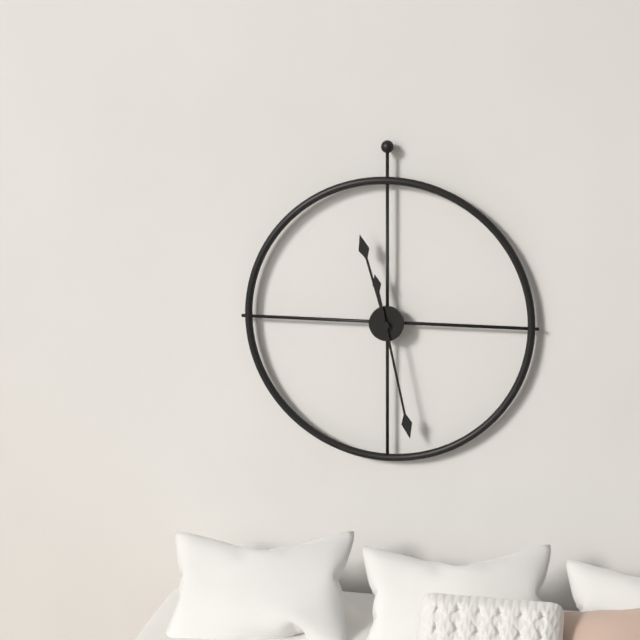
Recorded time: 11h28
